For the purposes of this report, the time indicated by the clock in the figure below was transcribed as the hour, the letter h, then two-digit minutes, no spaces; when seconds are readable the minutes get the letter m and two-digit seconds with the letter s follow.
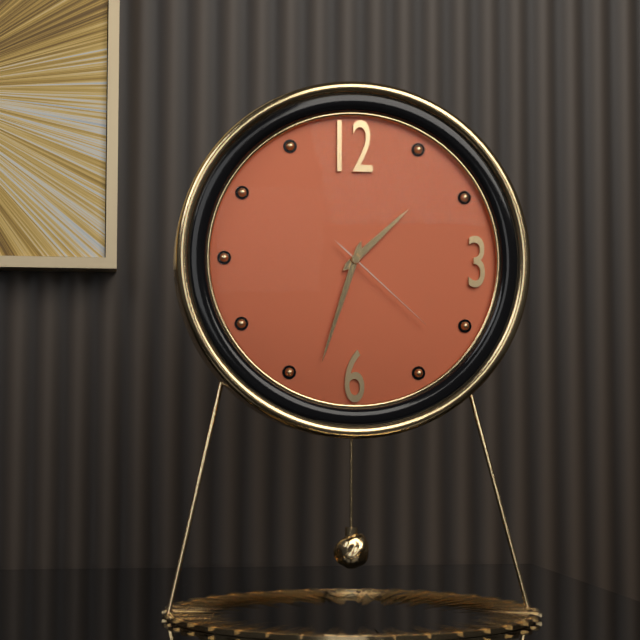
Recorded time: 1h33m22s
